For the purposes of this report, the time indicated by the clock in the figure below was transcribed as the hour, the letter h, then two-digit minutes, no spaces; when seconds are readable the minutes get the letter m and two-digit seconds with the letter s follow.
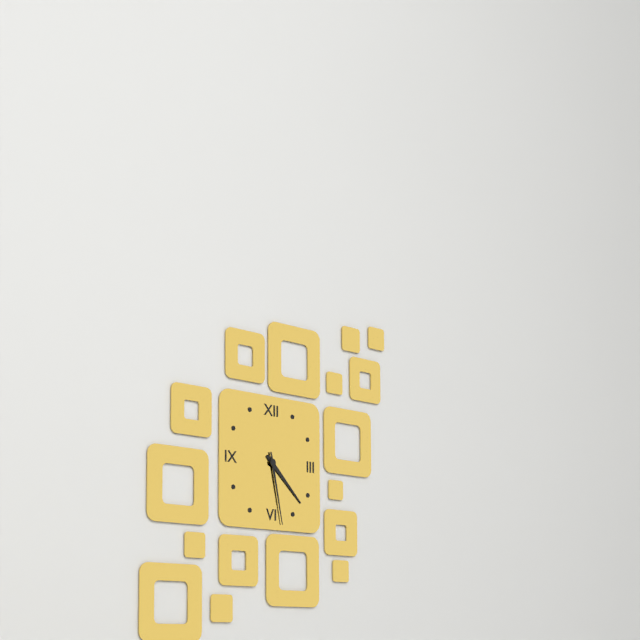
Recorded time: 4h28
